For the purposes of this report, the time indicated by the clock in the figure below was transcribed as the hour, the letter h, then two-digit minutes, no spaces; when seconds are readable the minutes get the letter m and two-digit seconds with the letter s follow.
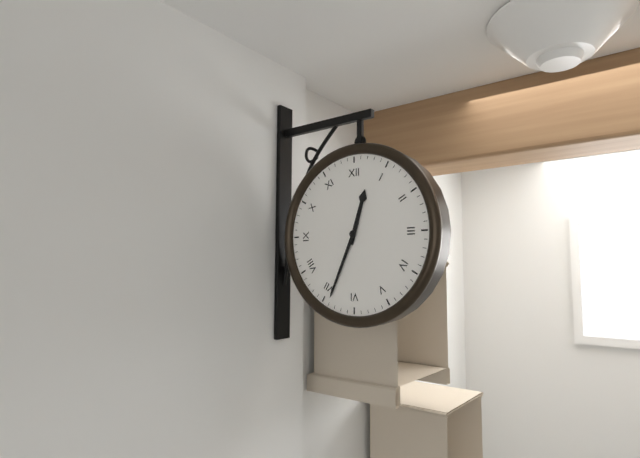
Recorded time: 12h34
